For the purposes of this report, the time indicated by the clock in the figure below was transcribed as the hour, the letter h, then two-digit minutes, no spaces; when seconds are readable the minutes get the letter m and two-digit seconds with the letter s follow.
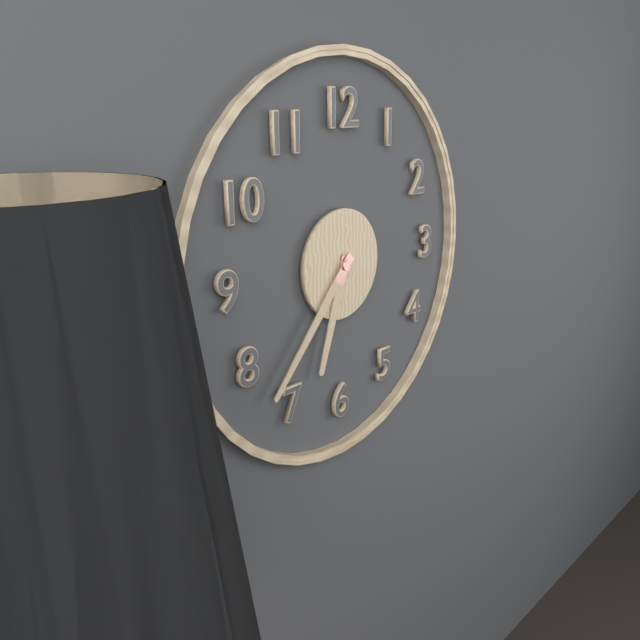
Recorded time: 6h37
